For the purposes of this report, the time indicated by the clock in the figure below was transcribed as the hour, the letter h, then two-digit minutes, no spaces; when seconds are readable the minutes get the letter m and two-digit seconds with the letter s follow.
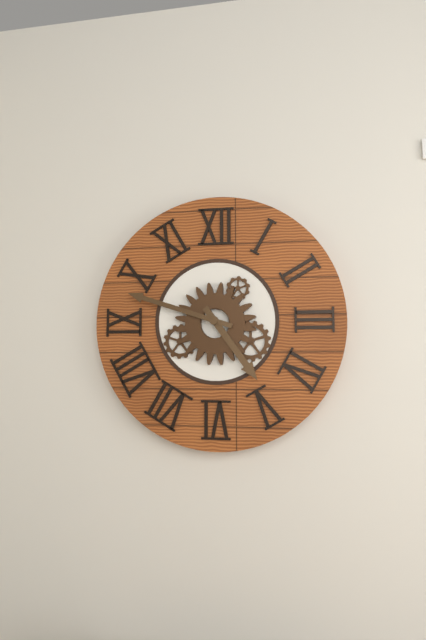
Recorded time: 4h48
